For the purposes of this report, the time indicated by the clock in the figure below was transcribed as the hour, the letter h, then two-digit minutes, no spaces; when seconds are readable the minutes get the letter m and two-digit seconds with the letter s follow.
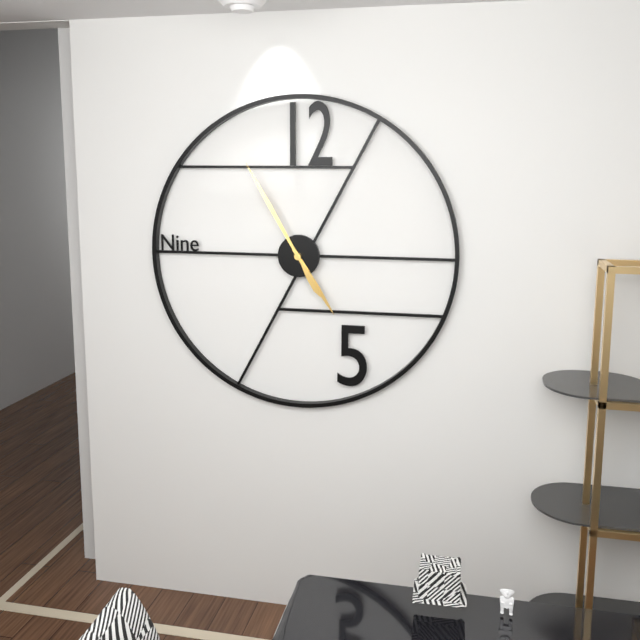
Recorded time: 4h55
